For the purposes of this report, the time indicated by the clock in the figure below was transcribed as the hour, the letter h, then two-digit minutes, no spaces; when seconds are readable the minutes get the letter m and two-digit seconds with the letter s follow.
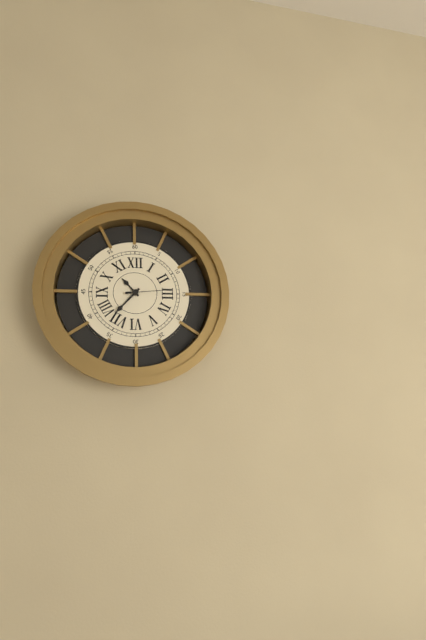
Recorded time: 10h37
